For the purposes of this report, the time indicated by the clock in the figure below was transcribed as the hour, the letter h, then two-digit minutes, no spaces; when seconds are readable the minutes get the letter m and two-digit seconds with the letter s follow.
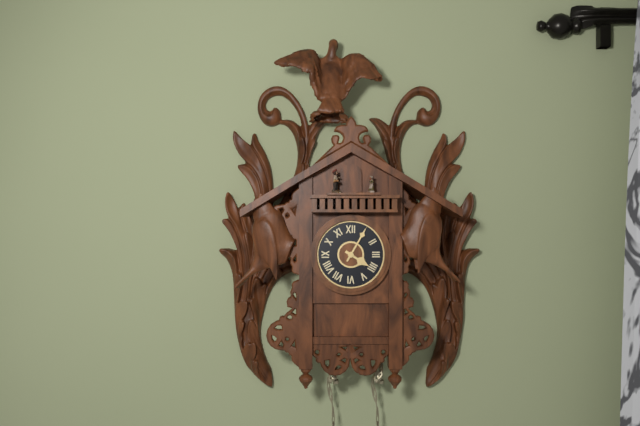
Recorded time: 4h05
